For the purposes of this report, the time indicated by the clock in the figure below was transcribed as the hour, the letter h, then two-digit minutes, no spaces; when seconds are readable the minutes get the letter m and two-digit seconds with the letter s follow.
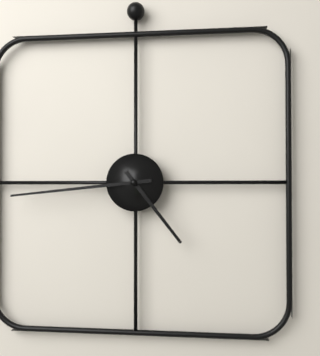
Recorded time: 4h44
